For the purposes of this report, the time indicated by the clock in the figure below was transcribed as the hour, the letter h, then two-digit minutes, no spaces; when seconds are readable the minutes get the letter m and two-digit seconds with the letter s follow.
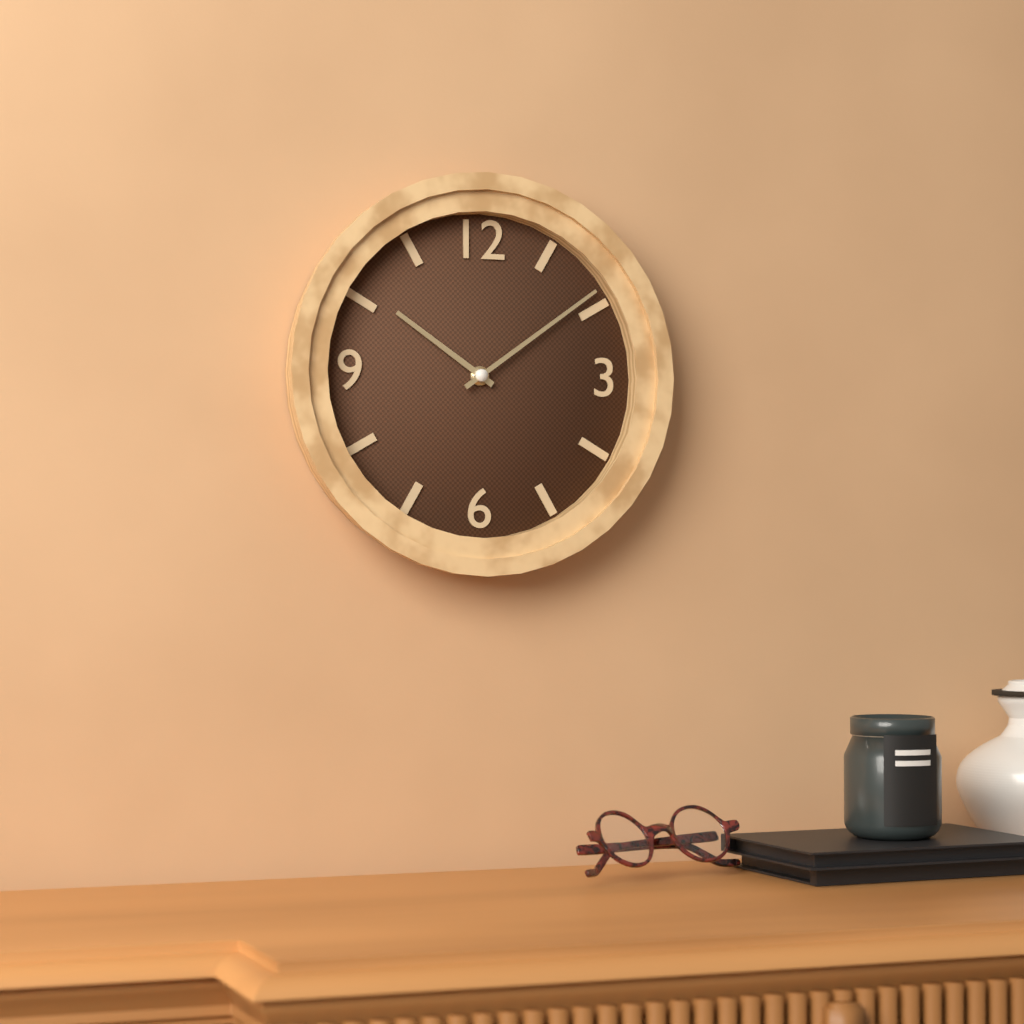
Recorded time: 10h09
